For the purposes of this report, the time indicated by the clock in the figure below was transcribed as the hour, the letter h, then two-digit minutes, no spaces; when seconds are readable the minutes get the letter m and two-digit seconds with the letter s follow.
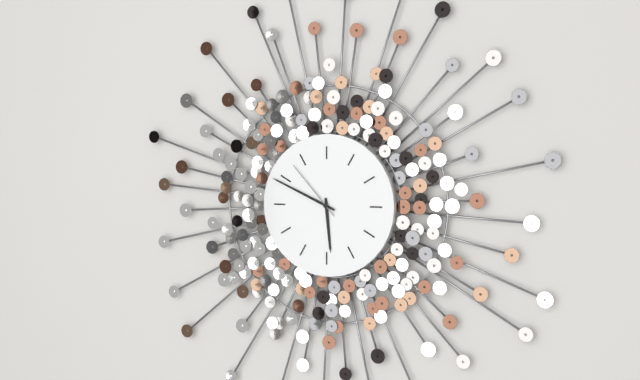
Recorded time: 5h49m53s
